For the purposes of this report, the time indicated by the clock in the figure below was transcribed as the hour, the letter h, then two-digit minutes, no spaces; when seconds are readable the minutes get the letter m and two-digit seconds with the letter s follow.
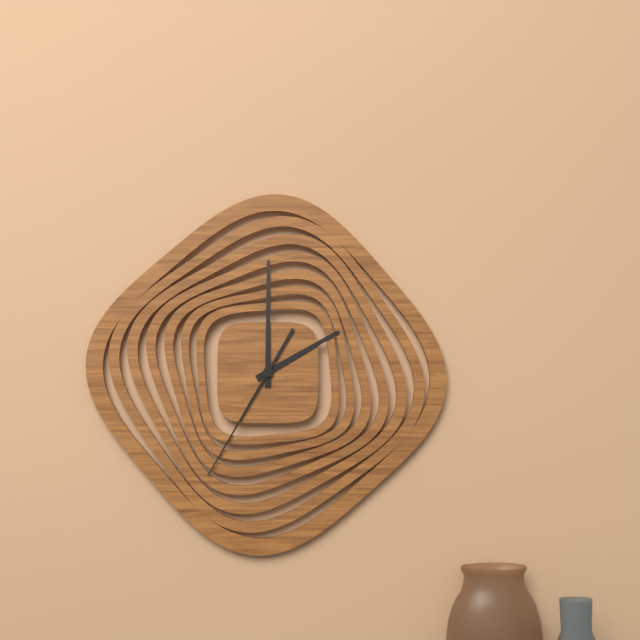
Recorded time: 2h00m35s
